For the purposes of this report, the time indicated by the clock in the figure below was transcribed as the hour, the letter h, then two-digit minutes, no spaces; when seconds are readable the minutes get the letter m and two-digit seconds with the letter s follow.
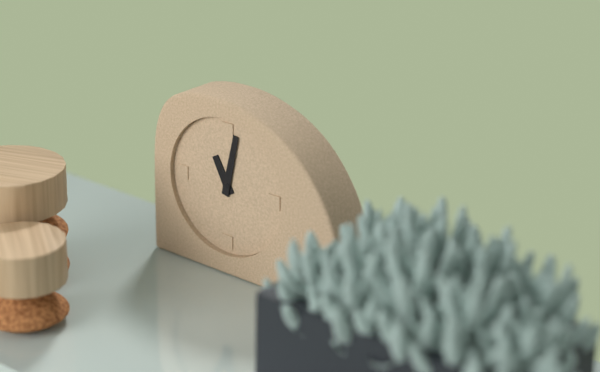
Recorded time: 11h02
